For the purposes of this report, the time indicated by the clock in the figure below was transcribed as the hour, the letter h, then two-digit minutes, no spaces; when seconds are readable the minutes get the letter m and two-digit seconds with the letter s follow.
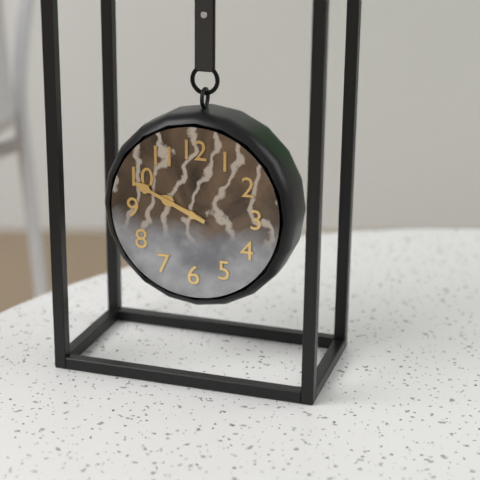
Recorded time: 9h49
